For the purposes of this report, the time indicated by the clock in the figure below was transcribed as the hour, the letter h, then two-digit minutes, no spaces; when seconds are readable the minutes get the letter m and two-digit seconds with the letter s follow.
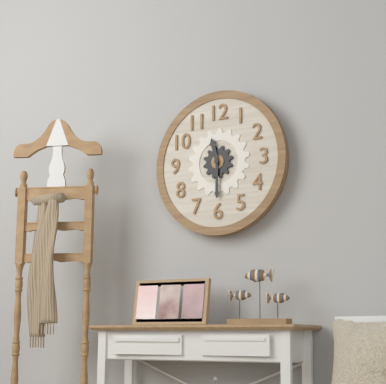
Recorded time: 11h30
